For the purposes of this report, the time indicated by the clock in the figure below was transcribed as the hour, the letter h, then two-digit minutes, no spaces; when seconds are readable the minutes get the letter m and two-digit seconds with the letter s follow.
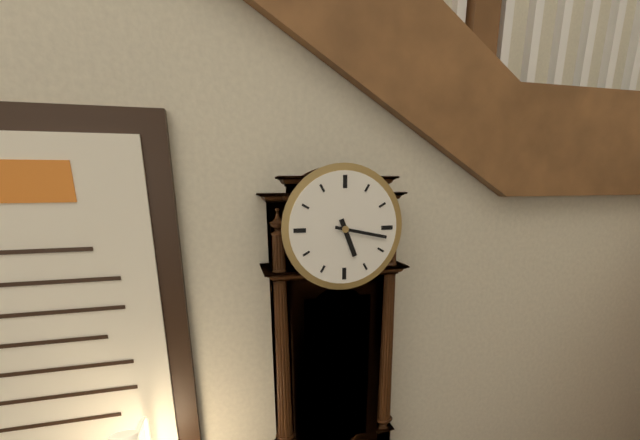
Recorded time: 5h17
